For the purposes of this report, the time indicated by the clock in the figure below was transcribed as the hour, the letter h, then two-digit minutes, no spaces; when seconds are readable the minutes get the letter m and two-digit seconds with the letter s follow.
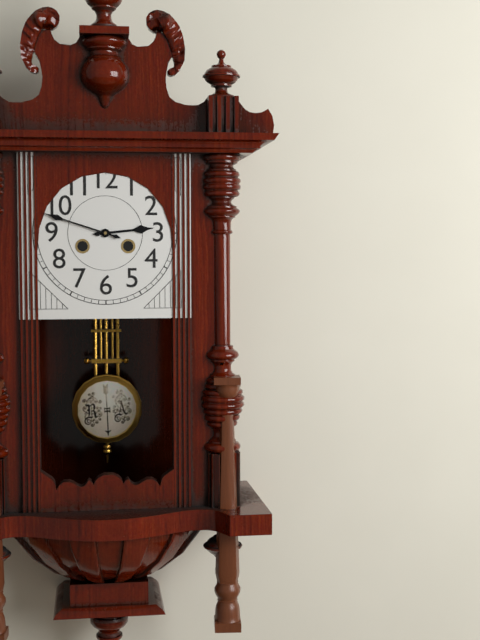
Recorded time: 2h48
